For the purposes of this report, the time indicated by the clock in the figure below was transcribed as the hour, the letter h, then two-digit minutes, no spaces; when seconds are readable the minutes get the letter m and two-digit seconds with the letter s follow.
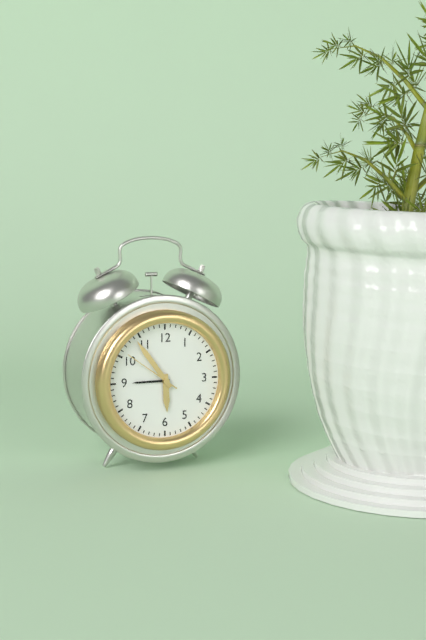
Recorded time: 5h54m51s
